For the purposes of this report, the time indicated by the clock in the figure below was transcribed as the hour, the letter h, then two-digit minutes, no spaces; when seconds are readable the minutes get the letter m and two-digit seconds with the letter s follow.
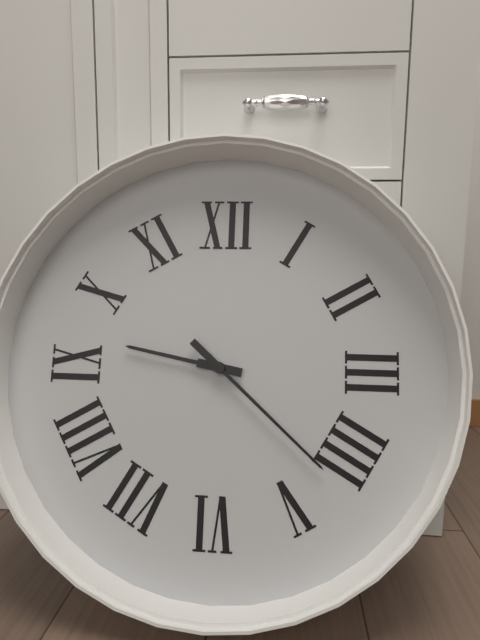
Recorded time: 9h22
